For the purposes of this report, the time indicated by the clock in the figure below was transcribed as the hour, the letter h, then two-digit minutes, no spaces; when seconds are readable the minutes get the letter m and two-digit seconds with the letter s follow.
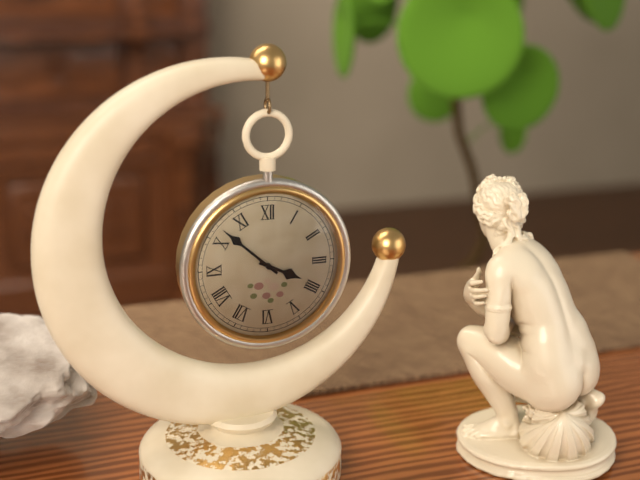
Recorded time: 3h52
